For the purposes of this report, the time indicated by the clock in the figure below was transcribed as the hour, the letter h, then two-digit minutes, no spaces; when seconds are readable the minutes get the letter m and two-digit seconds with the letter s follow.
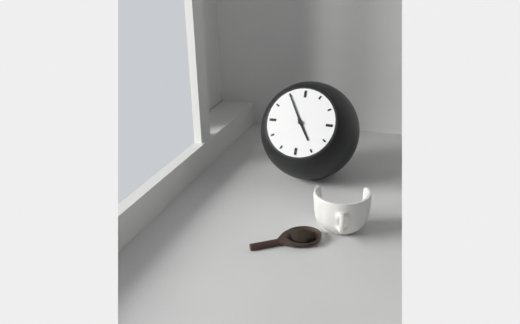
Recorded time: 4h55
